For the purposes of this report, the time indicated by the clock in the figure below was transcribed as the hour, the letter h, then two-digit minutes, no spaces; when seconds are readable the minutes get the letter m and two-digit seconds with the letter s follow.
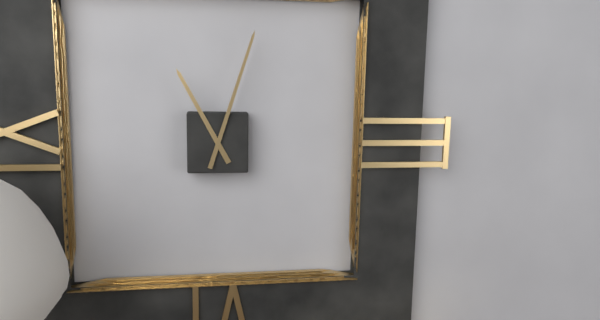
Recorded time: 11h03
